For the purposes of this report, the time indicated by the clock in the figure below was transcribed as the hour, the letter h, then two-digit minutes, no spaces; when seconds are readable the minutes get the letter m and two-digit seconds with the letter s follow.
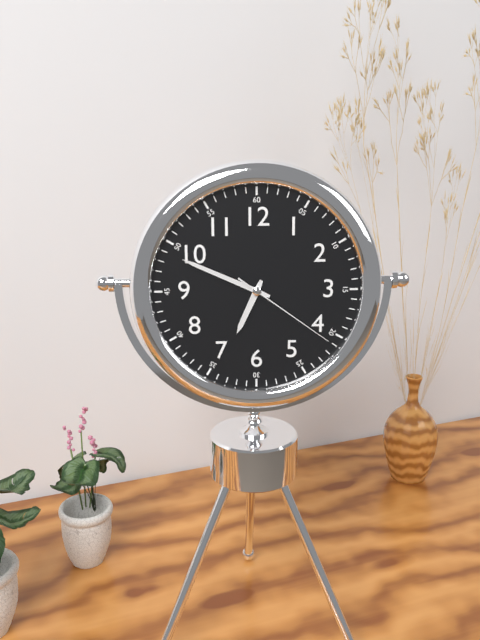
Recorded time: 6h49m21s
